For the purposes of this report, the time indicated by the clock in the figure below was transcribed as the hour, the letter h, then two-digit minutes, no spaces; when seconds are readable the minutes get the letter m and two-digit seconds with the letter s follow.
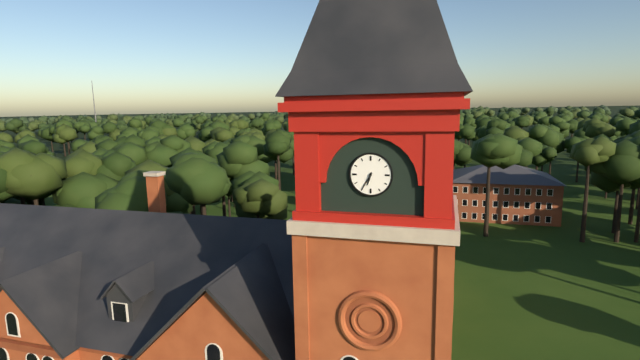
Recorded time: 6h35
